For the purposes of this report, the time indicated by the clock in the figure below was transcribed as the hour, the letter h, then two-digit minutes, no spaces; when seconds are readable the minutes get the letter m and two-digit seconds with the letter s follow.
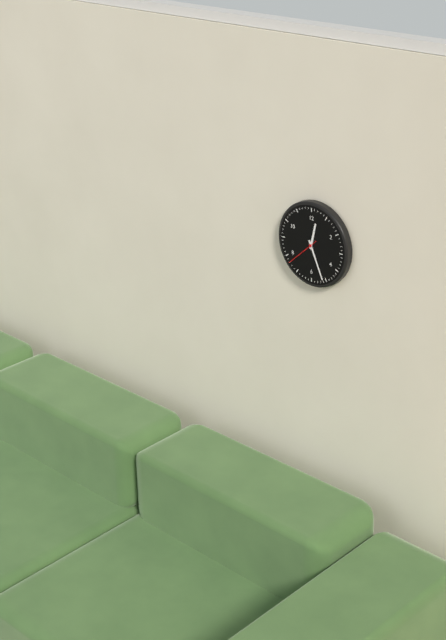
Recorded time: 12h26
